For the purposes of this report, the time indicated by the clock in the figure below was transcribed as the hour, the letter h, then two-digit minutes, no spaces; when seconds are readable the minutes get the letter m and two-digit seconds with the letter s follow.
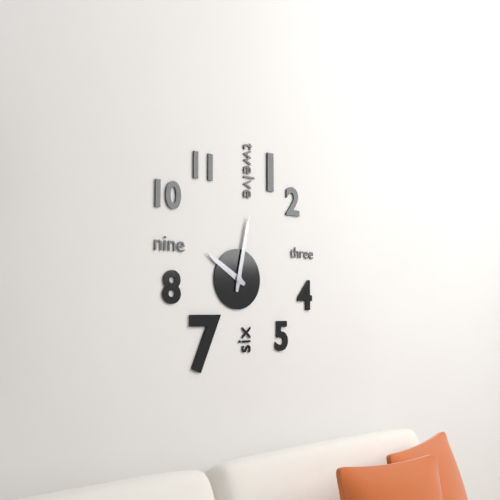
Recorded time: 10h02
